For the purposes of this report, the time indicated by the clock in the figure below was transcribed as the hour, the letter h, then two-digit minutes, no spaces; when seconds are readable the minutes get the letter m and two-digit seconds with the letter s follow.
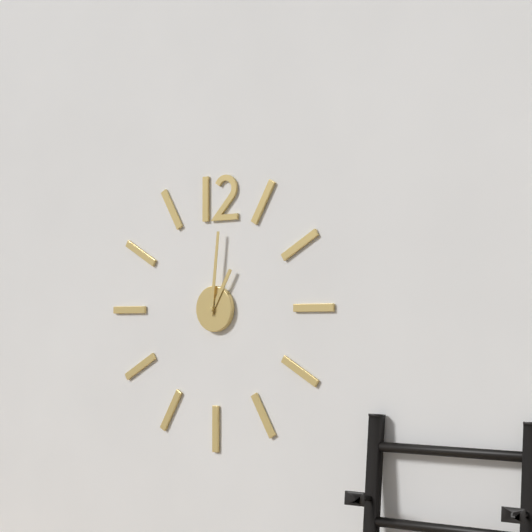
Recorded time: 1h01
